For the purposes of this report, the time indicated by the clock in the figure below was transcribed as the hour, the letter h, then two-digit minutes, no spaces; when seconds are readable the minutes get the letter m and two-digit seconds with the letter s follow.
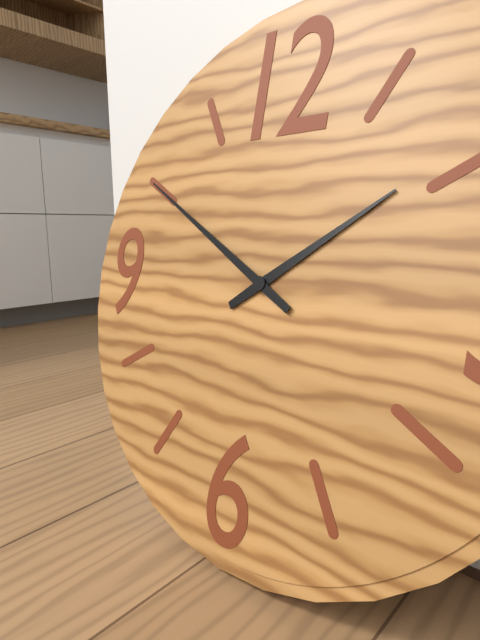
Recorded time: 1h50
